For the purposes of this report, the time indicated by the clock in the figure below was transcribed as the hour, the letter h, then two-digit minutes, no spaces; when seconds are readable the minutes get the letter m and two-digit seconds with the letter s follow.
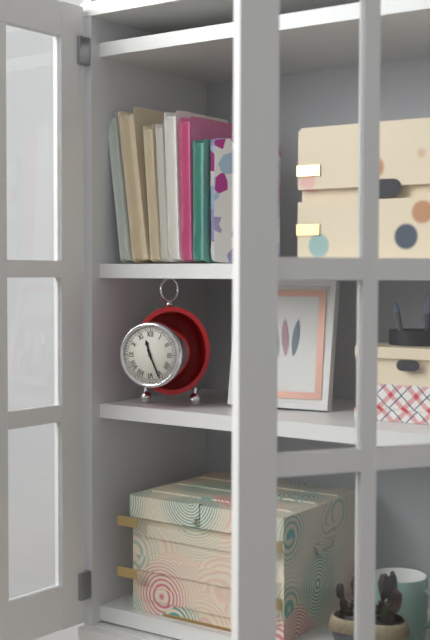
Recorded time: 11h26
